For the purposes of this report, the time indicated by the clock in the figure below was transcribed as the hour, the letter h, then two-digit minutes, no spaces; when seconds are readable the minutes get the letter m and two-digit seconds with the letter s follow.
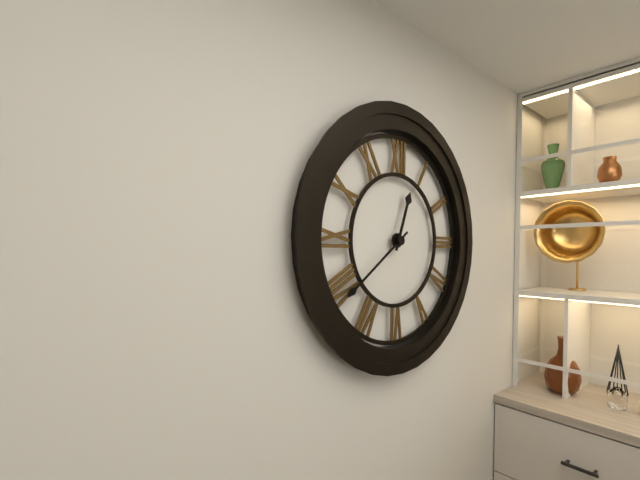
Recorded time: 12h39
